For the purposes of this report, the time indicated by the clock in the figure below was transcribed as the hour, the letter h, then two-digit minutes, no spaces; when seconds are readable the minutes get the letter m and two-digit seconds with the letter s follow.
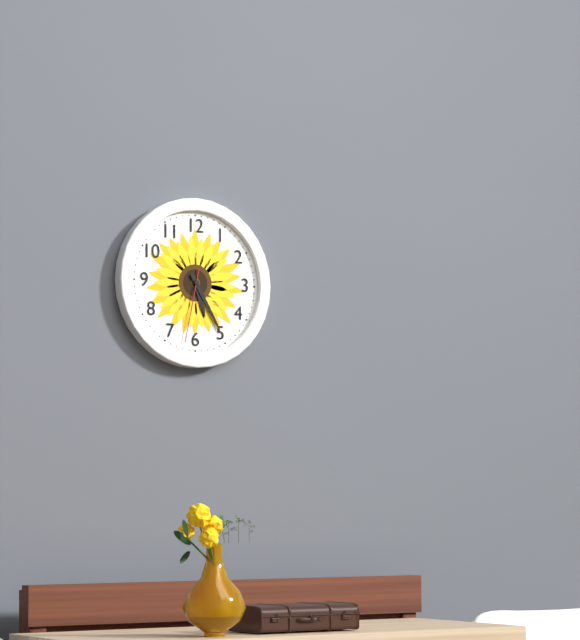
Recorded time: 5h25m32s
